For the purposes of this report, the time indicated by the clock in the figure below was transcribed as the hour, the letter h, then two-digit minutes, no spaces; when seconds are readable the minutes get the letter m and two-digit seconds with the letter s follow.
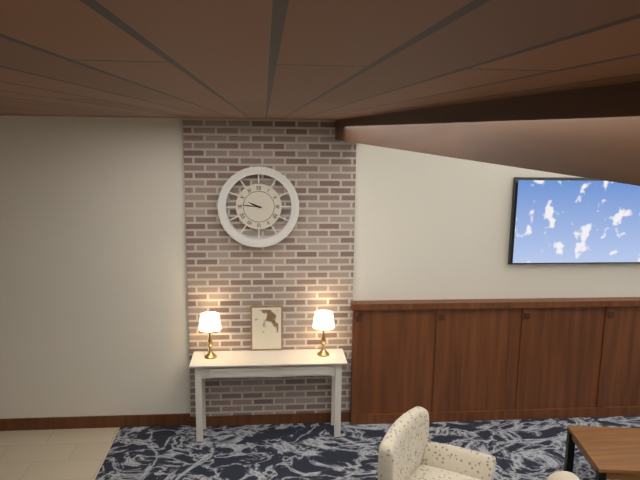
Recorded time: 9h46
